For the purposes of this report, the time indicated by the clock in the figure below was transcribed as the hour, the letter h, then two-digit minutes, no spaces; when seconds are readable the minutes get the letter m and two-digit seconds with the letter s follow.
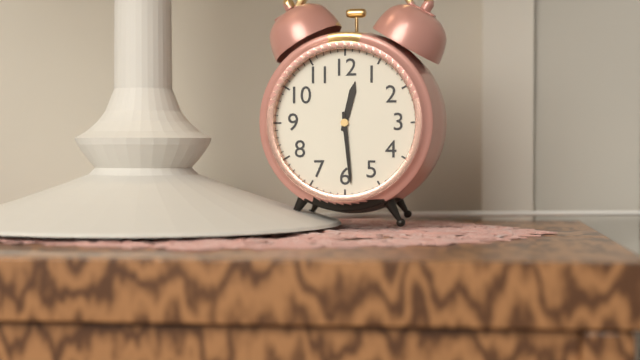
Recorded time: 12h29
